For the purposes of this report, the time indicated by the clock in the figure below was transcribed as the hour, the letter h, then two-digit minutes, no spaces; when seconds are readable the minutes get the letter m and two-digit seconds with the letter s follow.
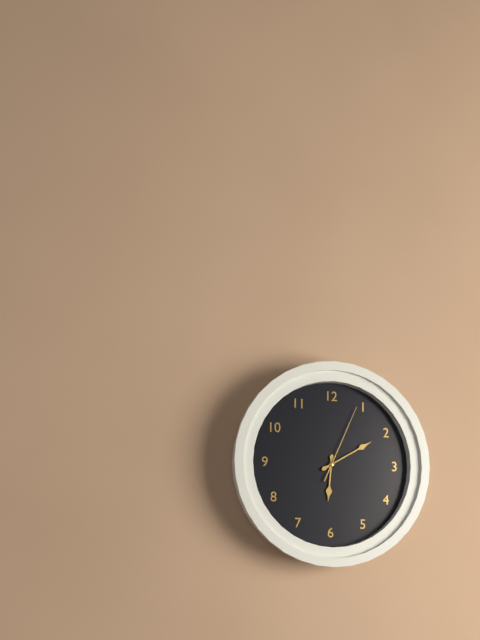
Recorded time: 6h10m04s
